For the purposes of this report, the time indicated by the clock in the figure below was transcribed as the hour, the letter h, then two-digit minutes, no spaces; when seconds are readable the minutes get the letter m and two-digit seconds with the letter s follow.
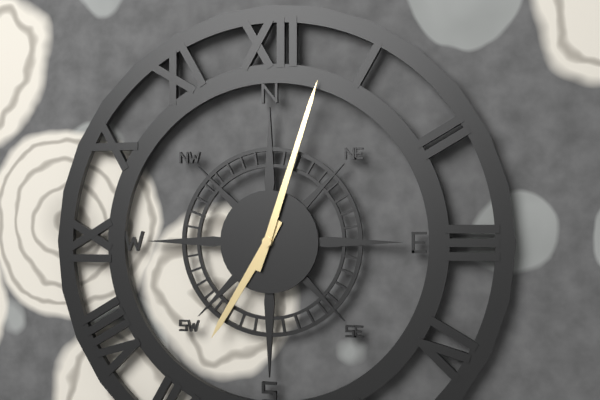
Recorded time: 7h03
